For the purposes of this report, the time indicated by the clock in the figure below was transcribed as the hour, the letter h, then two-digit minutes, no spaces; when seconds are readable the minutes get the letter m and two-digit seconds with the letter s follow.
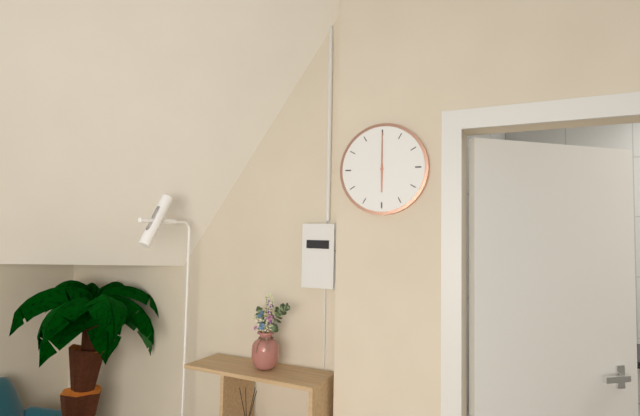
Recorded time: 6h00
